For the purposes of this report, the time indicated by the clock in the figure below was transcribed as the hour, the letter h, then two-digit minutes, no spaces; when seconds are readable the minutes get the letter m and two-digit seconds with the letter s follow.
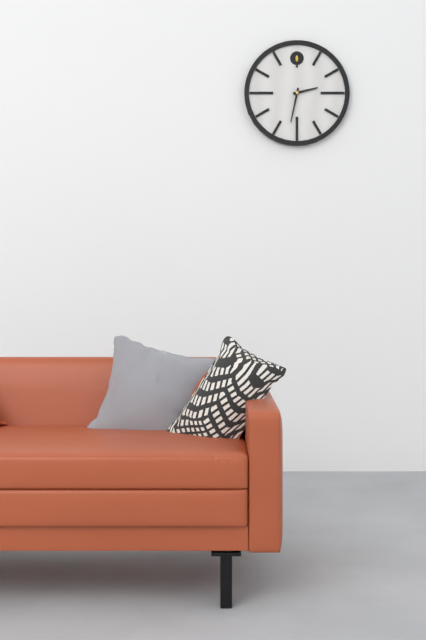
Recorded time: 2h32
